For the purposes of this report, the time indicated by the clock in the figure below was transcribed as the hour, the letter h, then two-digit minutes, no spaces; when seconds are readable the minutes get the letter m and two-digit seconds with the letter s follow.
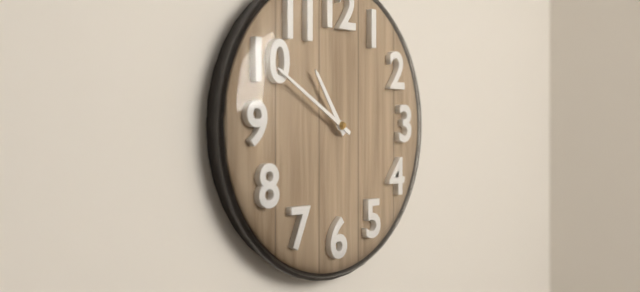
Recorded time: 10h50
